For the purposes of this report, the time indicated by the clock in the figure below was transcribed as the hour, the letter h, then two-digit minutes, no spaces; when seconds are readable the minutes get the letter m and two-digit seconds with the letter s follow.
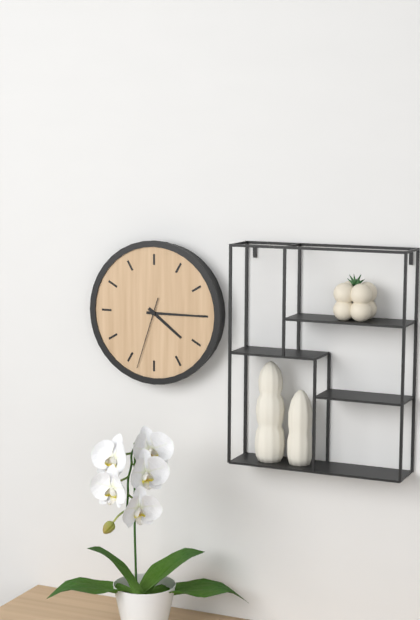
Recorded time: 4h15m33s
